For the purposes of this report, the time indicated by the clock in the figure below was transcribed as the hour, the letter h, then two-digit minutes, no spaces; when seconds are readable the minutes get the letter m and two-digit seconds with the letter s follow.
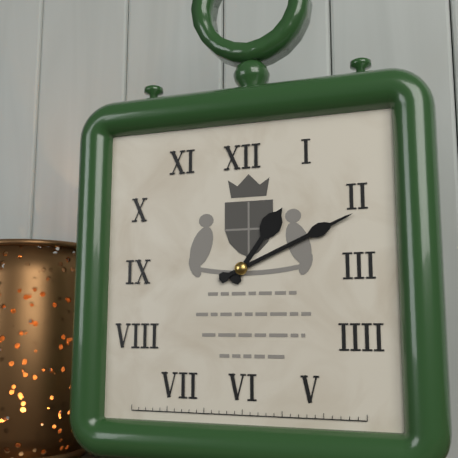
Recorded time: 1h11
